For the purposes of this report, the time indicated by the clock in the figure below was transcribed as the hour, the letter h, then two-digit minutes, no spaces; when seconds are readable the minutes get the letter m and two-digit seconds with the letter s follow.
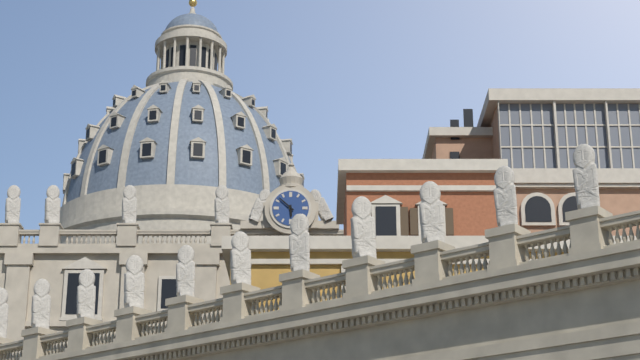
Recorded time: 5h52
